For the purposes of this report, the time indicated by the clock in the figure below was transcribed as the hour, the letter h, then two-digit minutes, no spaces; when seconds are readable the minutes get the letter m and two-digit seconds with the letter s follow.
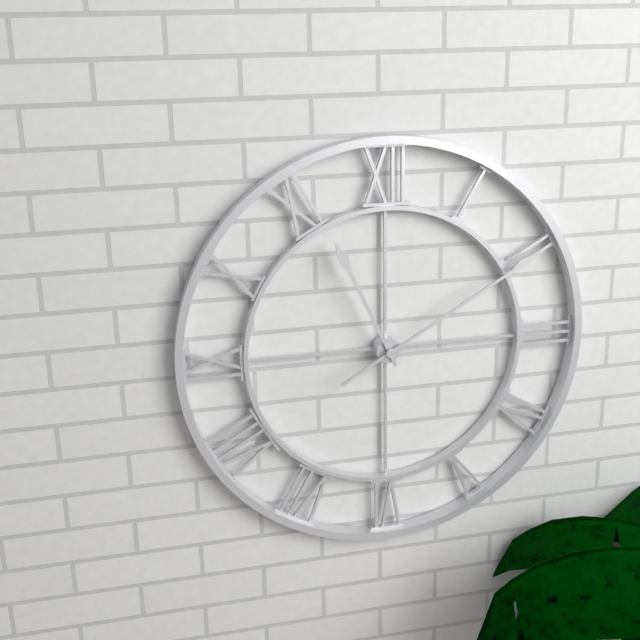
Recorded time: 11h10
